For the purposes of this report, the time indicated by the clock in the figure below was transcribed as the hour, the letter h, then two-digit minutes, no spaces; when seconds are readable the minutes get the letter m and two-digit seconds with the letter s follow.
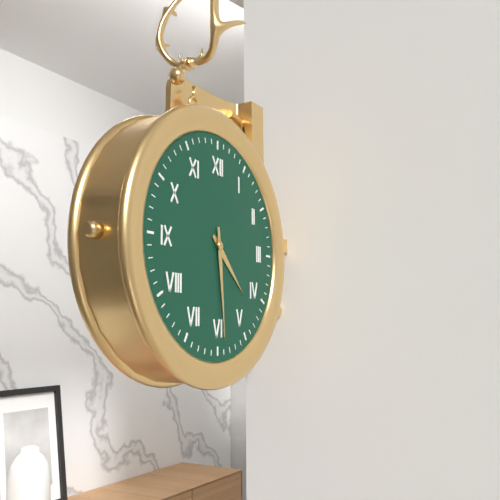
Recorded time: 4h29
